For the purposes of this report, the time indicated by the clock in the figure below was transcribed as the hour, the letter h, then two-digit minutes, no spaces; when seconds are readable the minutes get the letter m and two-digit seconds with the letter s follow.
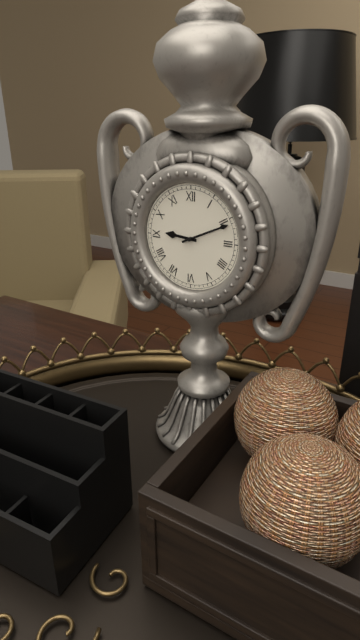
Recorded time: 9h11
